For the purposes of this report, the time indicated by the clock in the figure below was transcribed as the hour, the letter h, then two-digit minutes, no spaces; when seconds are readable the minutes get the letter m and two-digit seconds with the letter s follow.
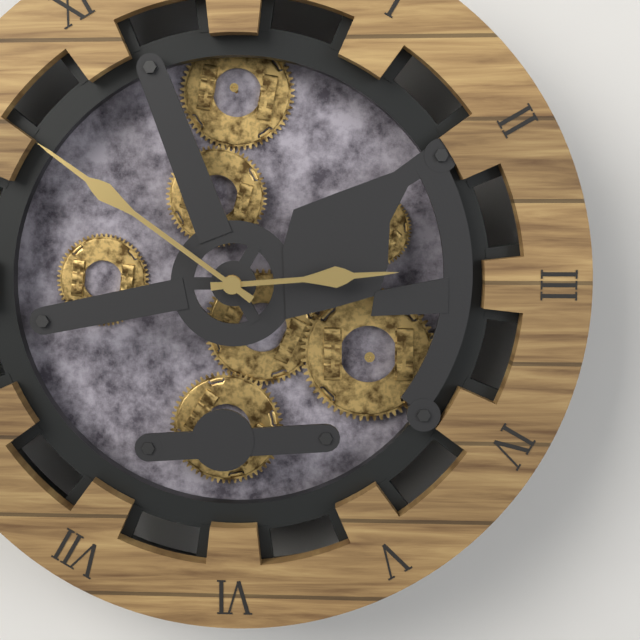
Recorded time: 2h51
